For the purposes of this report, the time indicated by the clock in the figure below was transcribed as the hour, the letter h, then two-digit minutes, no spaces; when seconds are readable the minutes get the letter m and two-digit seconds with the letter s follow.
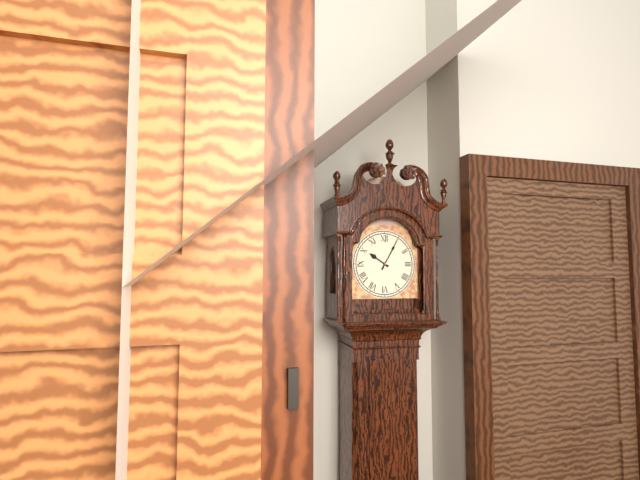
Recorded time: 10h05
